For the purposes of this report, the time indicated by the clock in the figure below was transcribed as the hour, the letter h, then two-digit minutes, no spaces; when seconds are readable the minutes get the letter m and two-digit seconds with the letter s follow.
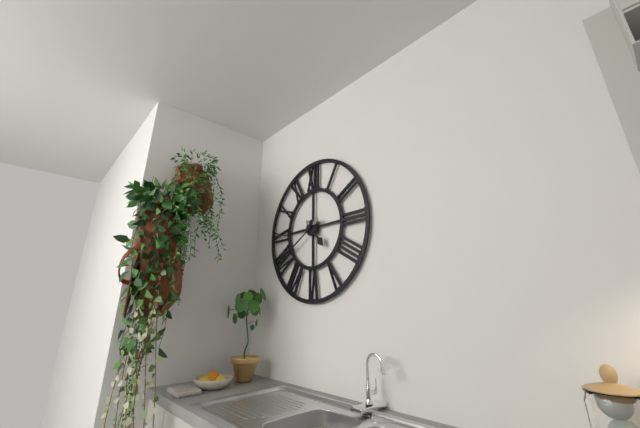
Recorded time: 4h40
